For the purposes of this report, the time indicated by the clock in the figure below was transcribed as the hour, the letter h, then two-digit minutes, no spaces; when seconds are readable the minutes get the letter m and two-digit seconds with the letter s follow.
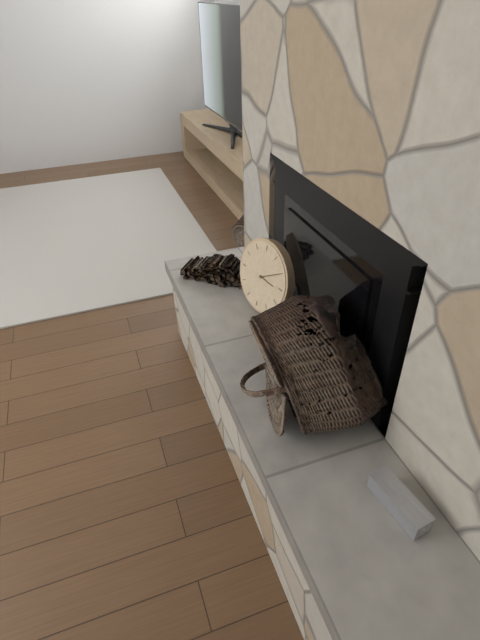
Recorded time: 3h10
